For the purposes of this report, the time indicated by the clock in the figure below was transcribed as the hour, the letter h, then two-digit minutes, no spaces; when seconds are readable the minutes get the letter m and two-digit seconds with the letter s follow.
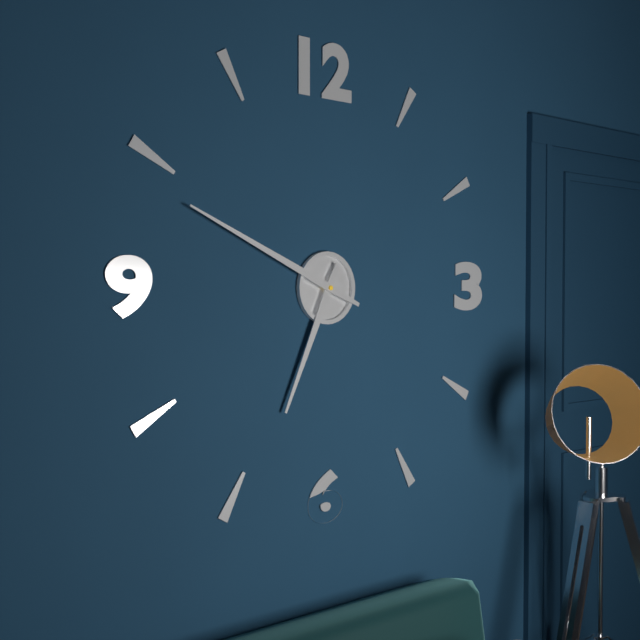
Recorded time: 6h49
